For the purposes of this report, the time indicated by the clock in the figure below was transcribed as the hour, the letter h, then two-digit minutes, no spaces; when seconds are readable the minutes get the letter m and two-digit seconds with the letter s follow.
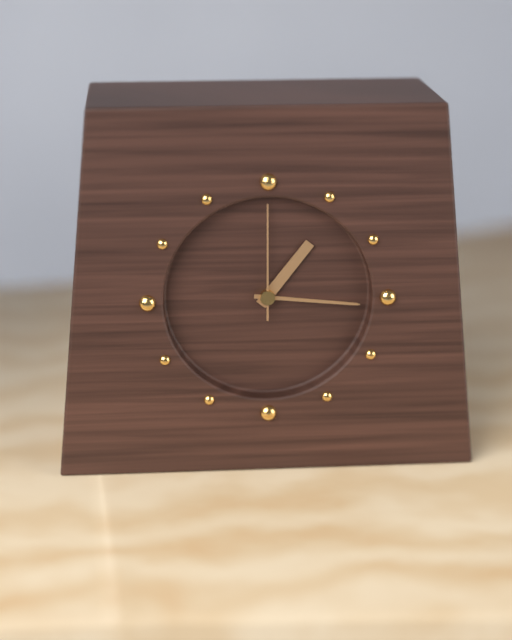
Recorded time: 1h16m00s
